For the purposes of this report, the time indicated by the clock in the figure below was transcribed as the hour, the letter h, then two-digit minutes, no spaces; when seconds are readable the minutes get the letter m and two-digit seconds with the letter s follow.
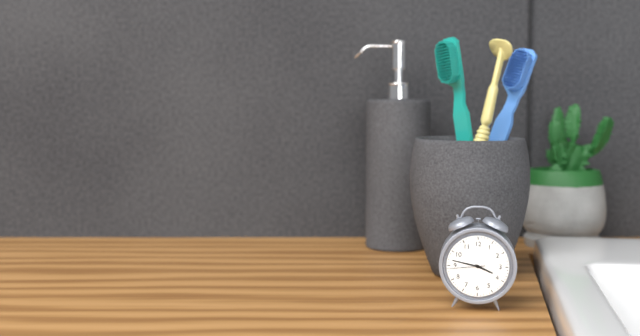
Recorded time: 3h47
